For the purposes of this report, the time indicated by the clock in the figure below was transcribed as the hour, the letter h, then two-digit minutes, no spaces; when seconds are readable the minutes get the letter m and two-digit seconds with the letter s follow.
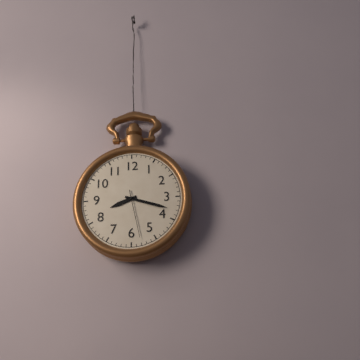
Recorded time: 8h18m28s
